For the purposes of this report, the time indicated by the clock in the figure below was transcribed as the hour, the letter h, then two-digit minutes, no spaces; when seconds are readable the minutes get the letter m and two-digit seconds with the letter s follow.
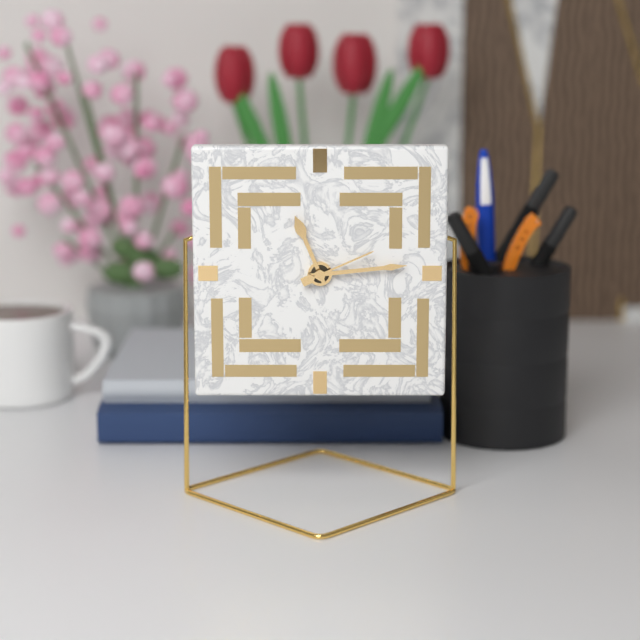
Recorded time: 11h14m11s
